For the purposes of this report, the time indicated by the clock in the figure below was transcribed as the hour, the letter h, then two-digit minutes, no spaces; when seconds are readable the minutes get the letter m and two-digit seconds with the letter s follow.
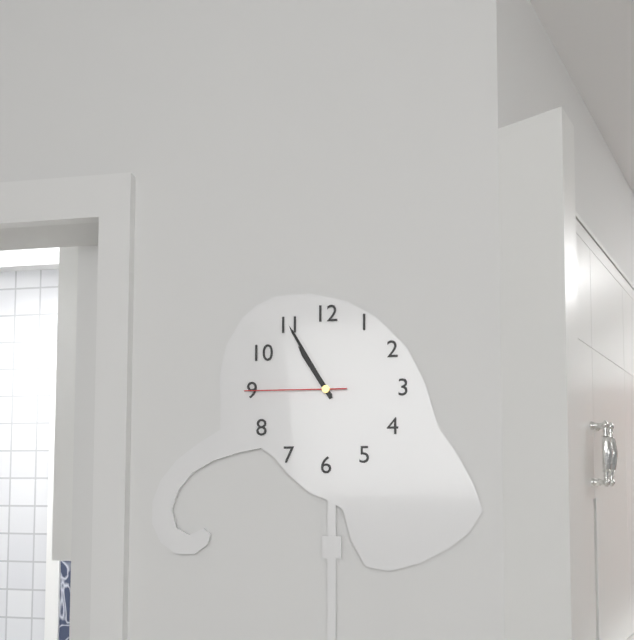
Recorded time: 10h55m45s
